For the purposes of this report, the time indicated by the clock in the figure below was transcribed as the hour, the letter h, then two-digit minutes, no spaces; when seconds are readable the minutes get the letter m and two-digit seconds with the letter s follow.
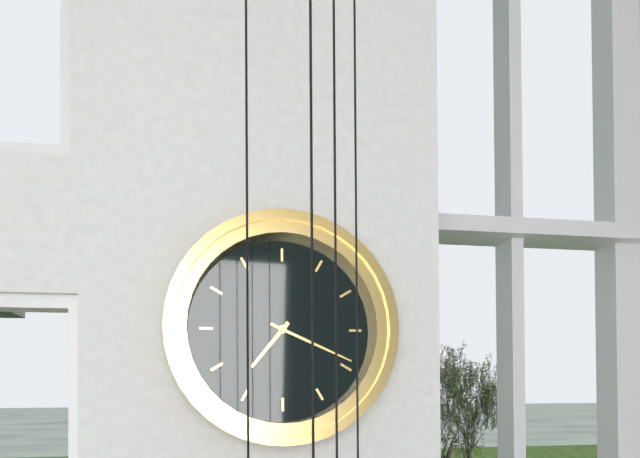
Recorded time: 7h19
